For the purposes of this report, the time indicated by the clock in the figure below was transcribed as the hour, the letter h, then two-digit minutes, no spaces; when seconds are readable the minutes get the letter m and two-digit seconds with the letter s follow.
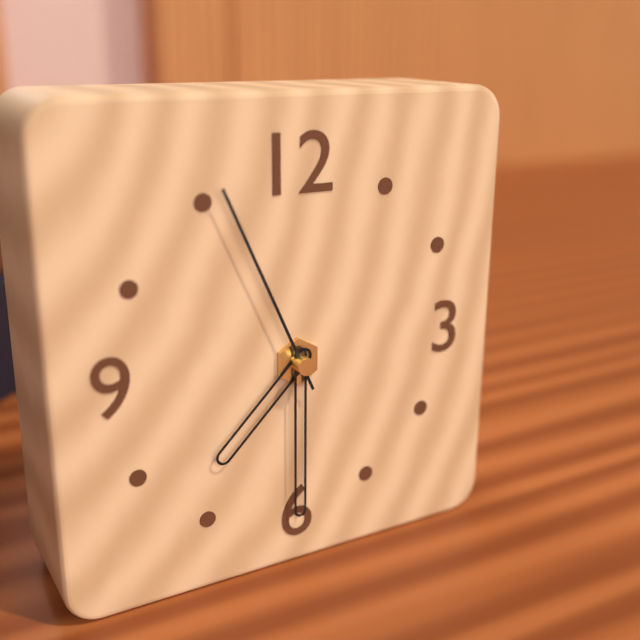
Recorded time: 7h30m56s
